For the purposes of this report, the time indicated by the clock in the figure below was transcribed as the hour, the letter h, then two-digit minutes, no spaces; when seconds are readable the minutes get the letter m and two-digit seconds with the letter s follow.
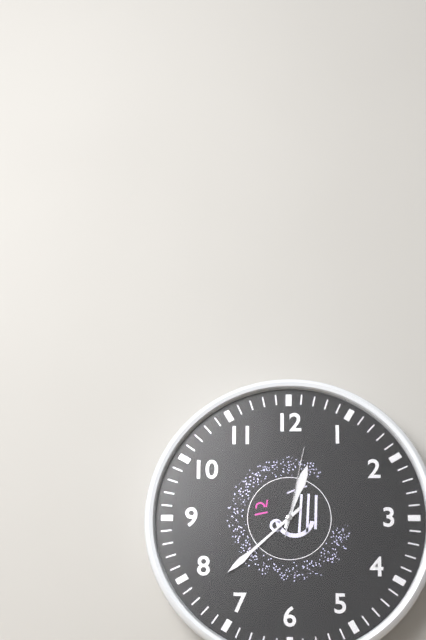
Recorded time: 12h38m02s
